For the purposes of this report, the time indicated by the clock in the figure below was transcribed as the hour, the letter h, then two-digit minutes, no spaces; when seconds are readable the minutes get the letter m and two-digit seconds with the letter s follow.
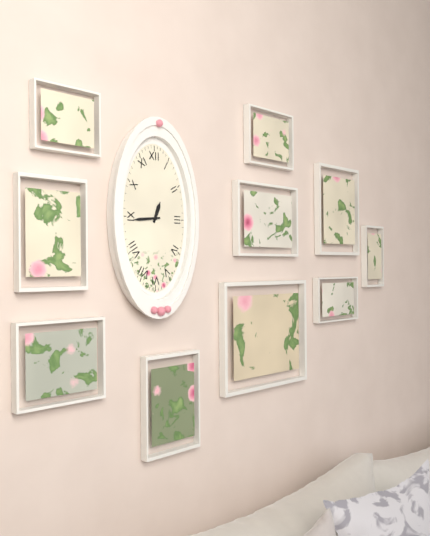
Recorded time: 12h44
